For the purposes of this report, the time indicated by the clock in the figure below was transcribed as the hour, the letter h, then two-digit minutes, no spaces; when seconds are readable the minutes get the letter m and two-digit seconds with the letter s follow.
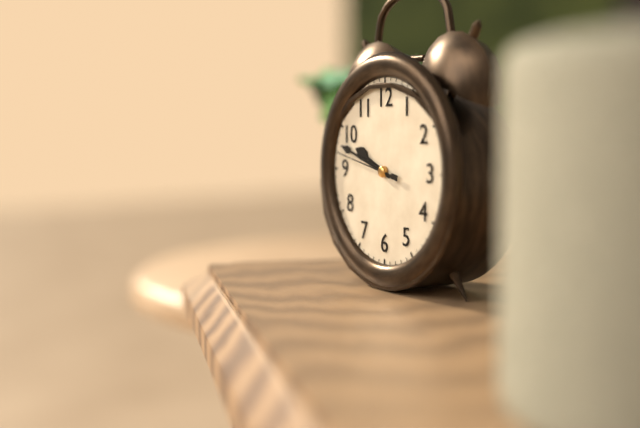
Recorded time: 9h48m47s
